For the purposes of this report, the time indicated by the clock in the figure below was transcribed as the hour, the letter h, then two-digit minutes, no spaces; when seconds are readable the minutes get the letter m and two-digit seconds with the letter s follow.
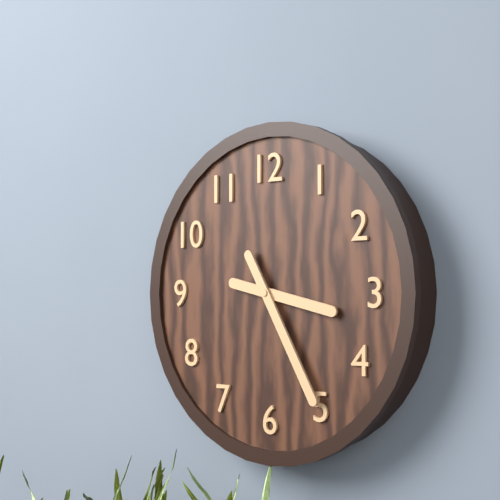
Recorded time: 3h25
